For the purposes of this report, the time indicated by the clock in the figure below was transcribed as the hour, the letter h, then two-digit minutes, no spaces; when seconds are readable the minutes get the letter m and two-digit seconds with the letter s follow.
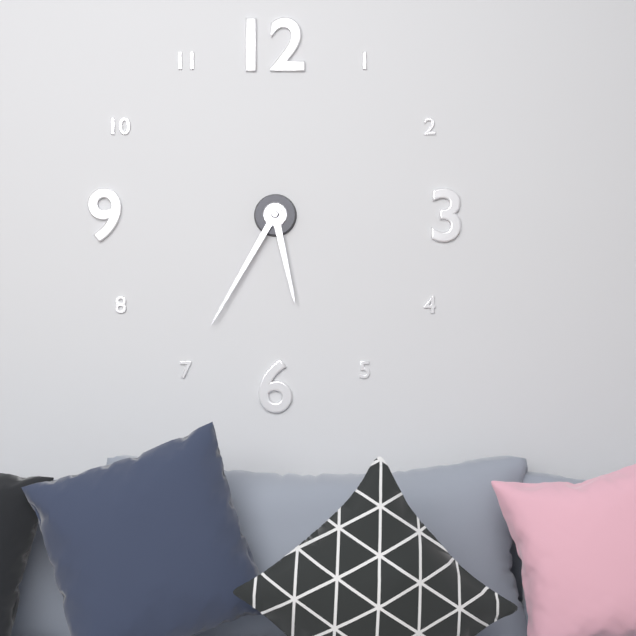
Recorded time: 5h35
